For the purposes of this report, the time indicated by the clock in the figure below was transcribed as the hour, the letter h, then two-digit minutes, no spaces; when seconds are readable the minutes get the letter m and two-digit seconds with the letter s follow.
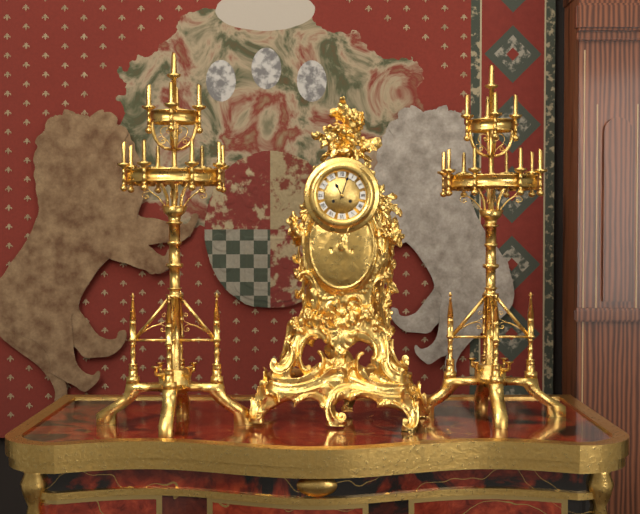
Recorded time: 11h03
